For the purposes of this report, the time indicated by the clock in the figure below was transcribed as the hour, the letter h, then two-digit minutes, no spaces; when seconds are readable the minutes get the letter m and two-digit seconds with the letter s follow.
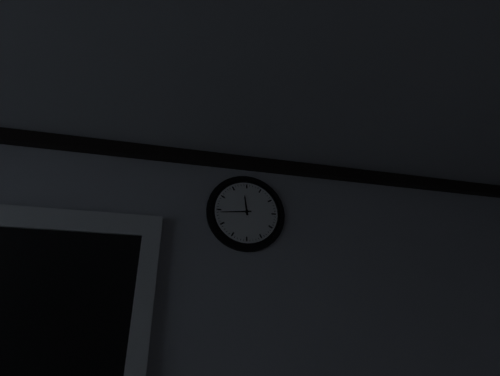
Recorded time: 11h44
